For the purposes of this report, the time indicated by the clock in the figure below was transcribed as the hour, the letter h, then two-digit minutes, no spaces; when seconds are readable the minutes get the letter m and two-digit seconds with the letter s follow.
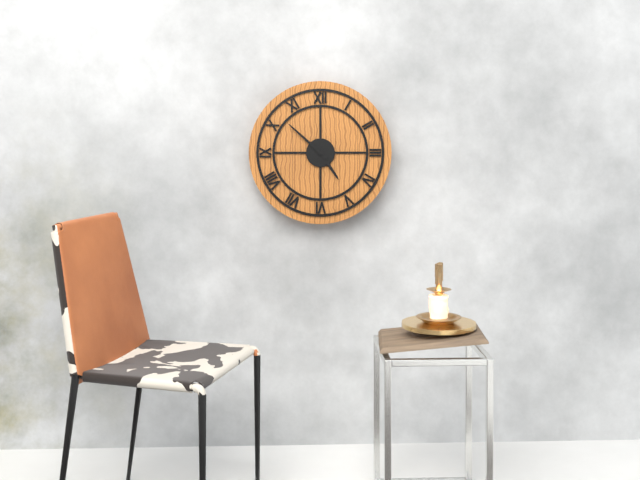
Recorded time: 4h52
